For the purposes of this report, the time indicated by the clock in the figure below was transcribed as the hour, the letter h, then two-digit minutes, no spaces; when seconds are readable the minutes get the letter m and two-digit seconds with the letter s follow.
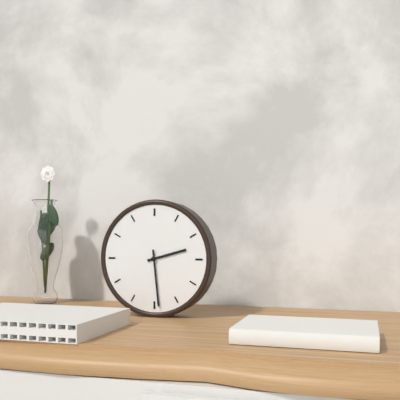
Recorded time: 2h29
